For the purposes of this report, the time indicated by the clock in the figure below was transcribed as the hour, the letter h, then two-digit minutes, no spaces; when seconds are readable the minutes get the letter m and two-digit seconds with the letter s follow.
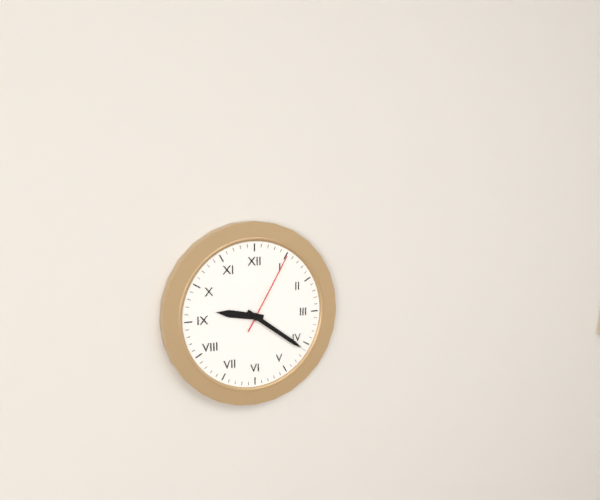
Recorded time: 9h21m05s
